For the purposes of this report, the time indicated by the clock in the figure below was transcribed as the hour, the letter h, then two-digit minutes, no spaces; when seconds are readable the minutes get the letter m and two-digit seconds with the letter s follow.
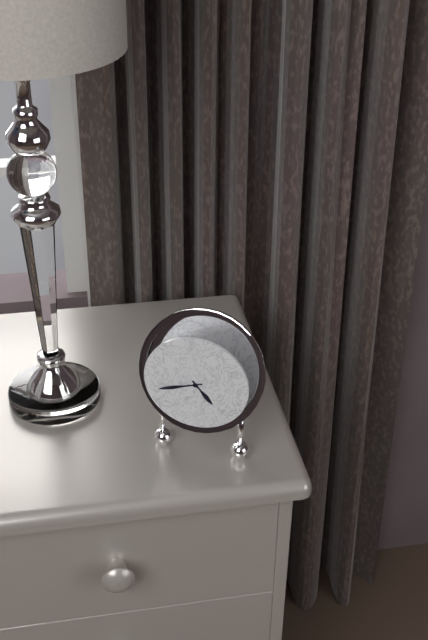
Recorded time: 4h42
